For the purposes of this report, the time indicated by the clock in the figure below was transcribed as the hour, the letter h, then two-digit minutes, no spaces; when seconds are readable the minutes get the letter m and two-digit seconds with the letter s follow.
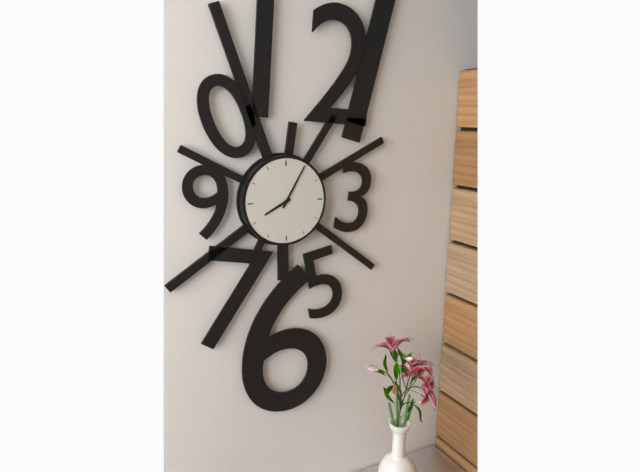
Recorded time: 8h05
